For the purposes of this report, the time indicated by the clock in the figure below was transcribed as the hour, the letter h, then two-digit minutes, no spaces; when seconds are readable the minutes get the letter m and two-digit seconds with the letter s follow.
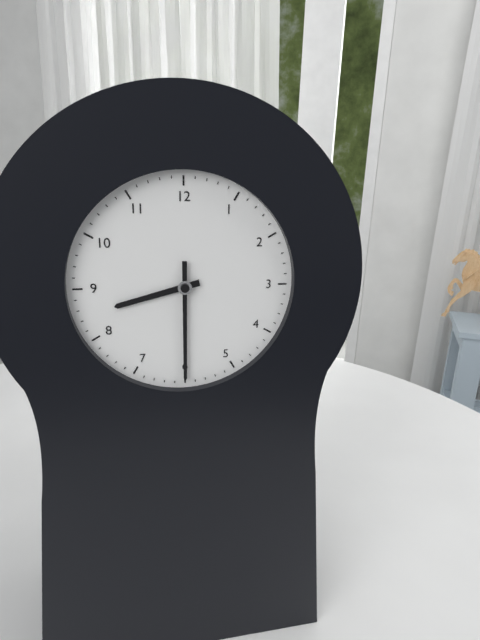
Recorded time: 8h30
